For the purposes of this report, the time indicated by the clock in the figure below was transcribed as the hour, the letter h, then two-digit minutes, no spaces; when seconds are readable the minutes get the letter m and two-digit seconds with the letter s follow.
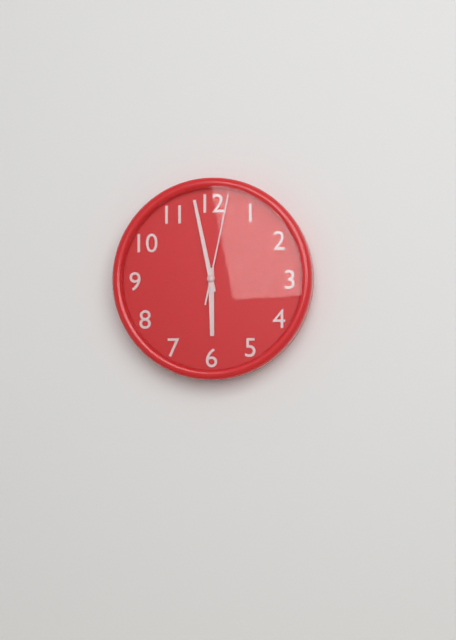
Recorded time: 5h58m02s
